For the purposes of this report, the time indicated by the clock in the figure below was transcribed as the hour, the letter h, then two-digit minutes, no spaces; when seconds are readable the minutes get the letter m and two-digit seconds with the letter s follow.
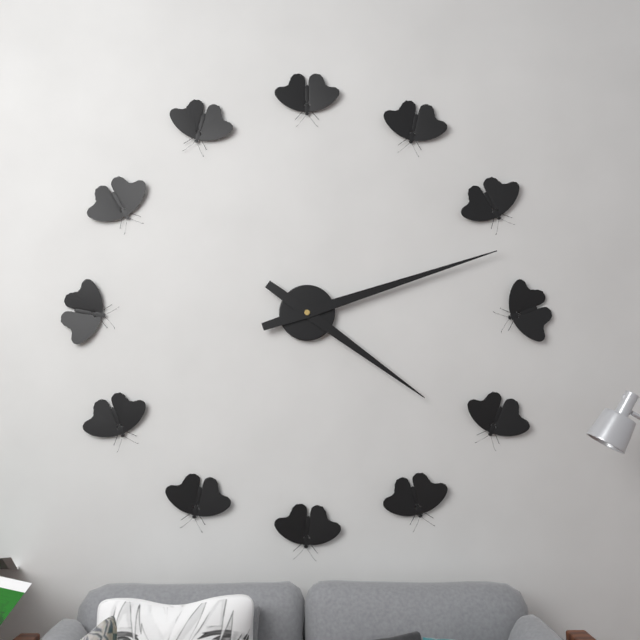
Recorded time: 4h12
